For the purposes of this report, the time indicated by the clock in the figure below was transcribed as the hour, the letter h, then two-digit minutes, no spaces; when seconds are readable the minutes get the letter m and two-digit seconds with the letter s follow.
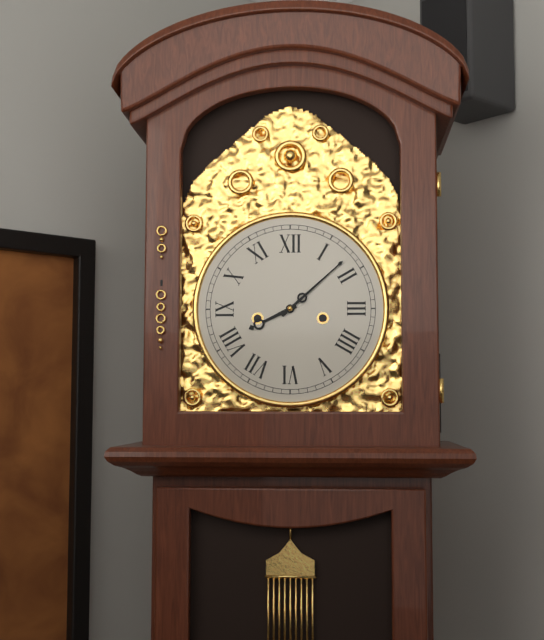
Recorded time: 8h08
